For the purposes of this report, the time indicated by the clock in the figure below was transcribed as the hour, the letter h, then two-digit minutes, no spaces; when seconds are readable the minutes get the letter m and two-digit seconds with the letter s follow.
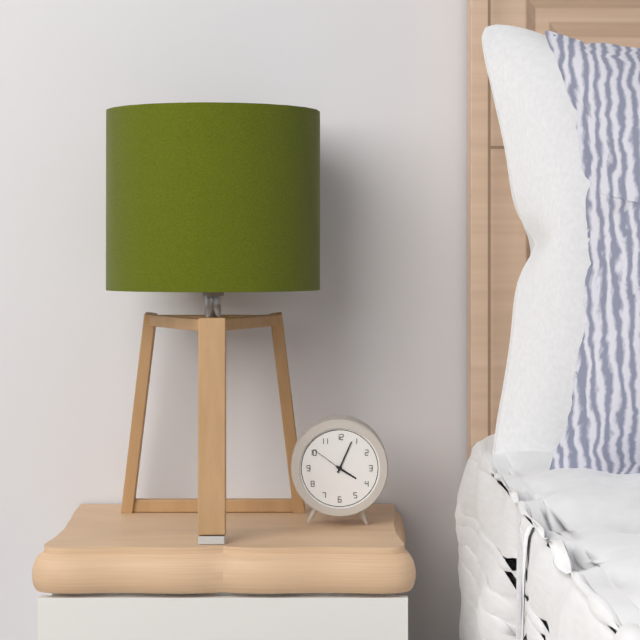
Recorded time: 4h04
